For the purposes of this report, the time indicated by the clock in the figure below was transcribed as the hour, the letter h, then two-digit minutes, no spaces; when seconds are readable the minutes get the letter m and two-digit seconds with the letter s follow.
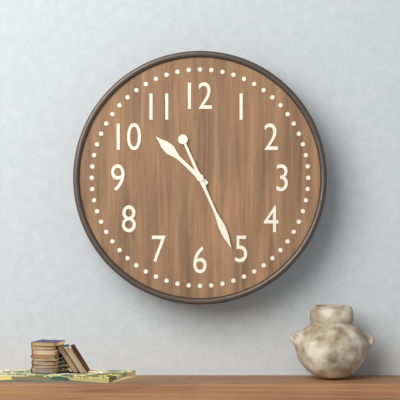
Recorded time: 10h26
